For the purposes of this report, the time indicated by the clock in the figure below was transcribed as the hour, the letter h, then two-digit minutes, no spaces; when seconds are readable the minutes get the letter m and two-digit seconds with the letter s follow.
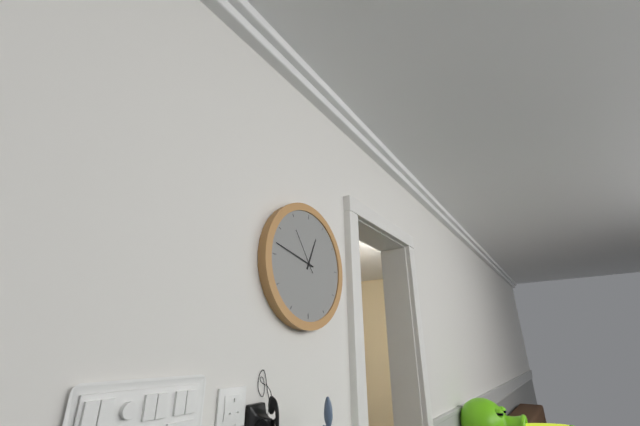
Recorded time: 12h47
